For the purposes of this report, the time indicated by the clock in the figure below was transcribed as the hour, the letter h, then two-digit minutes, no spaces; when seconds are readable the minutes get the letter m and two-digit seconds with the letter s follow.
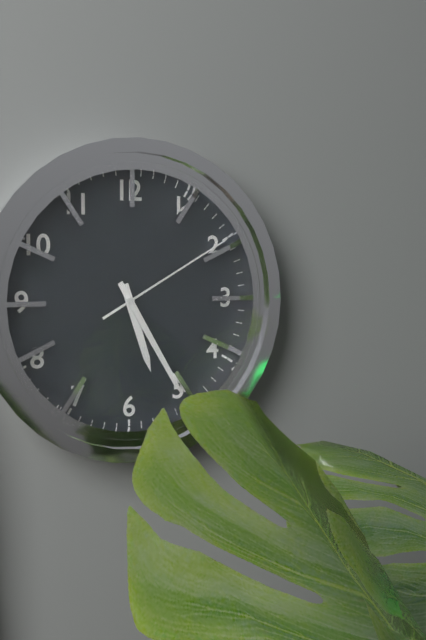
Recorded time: 5h25m10s
